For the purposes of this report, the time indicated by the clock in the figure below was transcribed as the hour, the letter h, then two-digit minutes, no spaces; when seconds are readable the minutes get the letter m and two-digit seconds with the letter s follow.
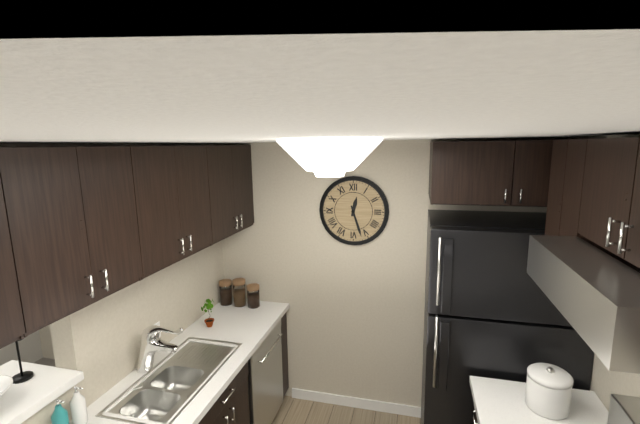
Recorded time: 12h27
